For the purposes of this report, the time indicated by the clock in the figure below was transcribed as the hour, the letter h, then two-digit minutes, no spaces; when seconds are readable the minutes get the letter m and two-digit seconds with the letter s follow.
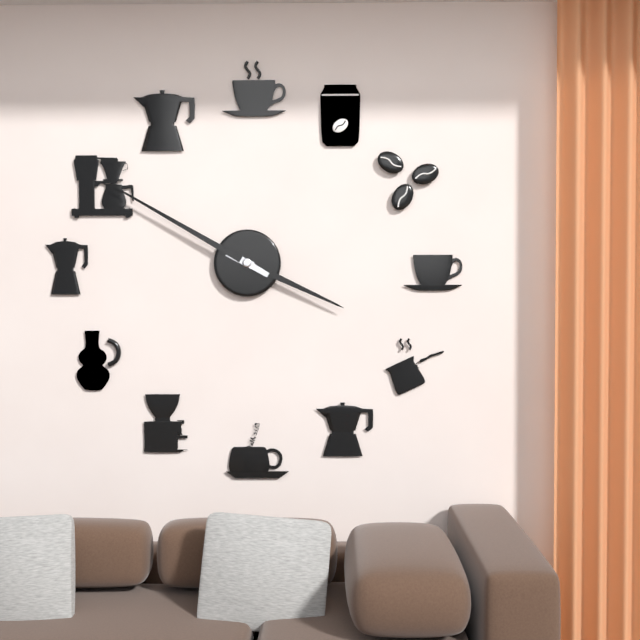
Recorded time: 3h50
